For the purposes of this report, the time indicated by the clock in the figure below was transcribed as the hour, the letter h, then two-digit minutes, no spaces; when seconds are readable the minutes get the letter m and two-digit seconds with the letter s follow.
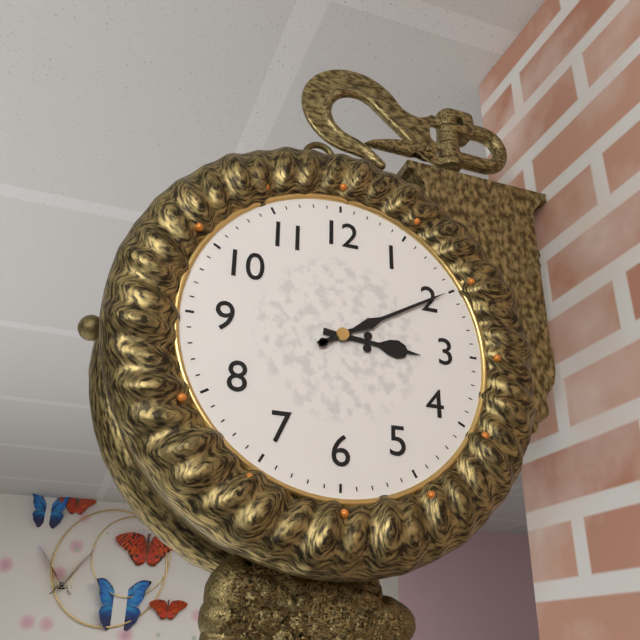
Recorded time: 3h10
